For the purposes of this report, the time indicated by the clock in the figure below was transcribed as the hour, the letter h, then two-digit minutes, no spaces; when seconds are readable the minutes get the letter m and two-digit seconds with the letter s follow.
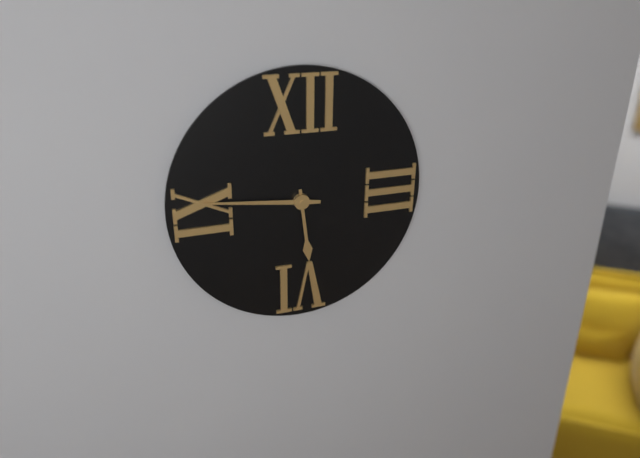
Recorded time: 5h46
